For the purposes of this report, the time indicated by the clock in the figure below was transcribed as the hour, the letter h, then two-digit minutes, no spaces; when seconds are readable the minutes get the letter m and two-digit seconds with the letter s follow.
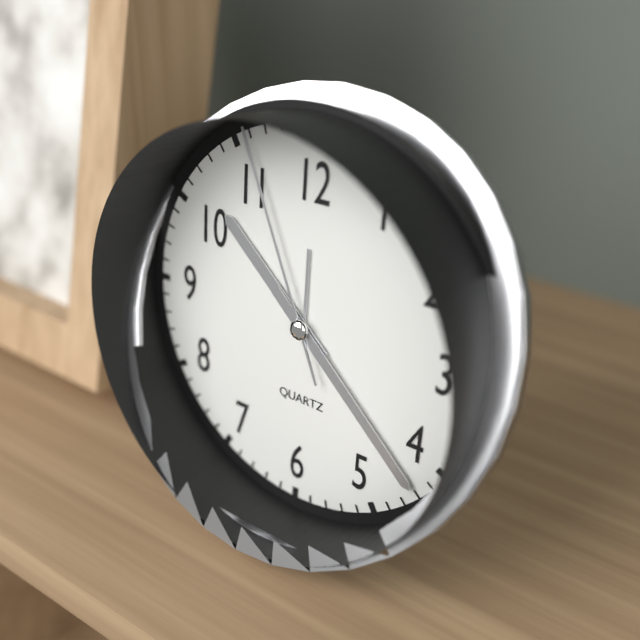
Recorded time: 10h22m56s
